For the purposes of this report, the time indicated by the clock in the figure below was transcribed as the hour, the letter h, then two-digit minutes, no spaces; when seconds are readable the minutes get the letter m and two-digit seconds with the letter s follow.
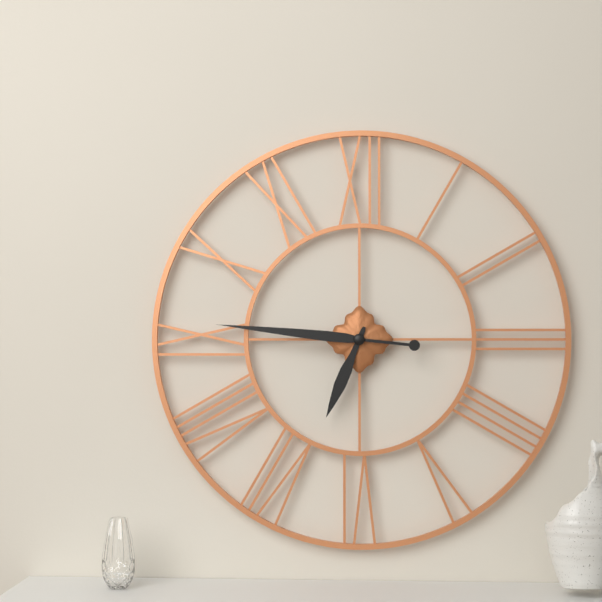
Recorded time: 6h46
